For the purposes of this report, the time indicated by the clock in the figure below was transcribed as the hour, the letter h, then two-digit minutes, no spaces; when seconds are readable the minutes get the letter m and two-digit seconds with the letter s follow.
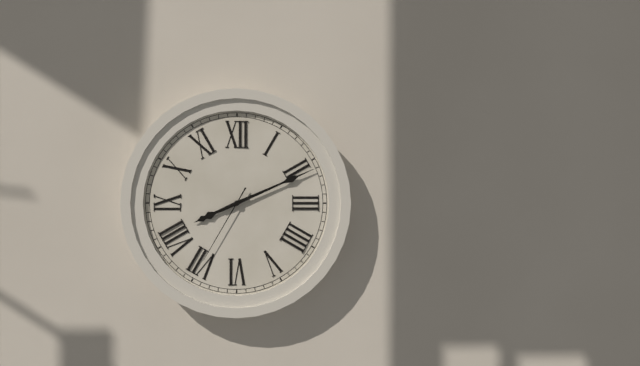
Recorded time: 8h11m35s
